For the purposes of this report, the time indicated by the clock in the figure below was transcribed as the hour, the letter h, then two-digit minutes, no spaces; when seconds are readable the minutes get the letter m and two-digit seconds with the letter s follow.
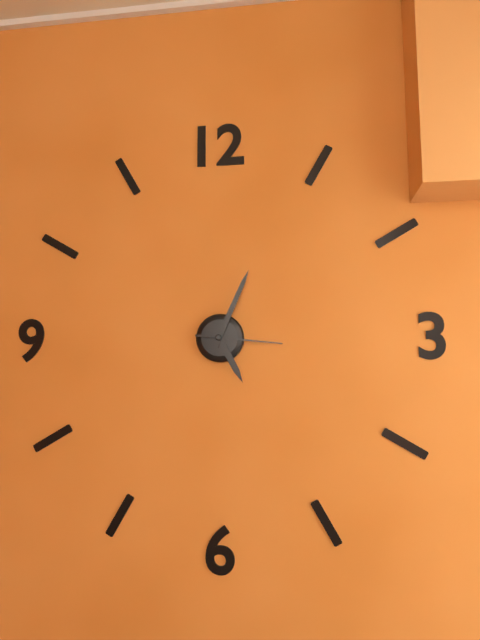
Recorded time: 5h04m16s
